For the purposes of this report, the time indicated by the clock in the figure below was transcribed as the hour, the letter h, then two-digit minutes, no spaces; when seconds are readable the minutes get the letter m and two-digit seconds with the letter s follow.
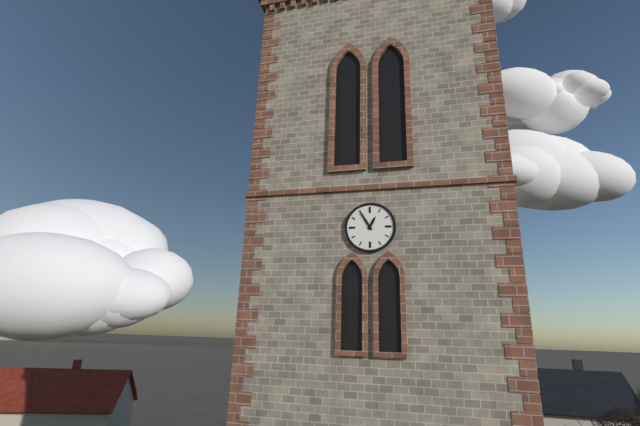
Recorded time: 12h55
